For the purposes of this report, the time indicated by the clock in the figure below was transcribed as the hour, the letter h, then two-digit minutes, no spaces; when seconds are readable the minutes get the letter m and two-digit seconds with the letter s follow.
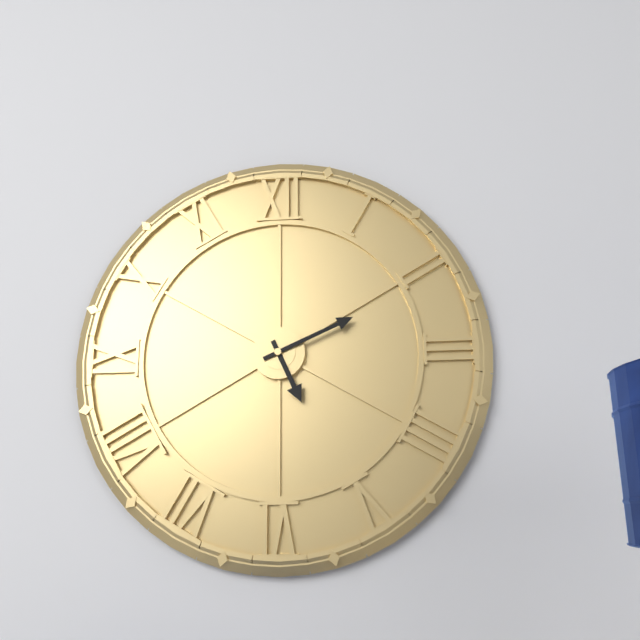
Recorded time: 5h11
